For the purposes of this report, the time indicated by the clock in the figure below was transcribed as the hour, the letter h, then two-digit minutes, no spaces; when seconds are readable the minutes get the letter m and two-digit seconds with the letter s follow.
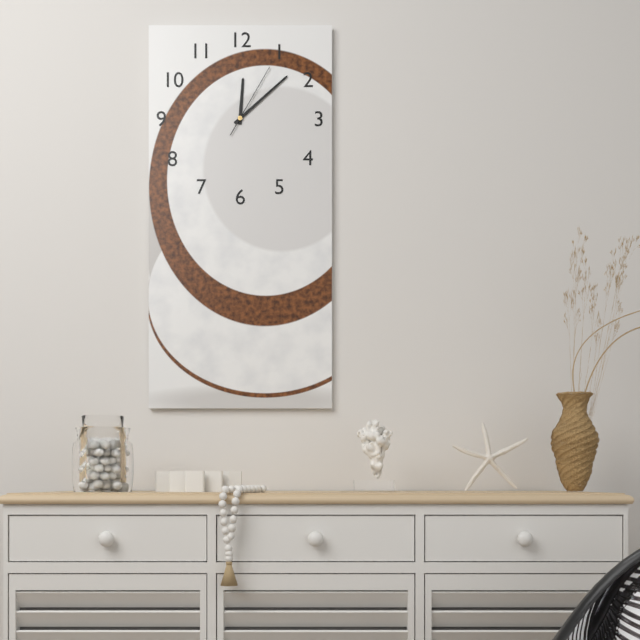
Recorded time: 12h08m05s
